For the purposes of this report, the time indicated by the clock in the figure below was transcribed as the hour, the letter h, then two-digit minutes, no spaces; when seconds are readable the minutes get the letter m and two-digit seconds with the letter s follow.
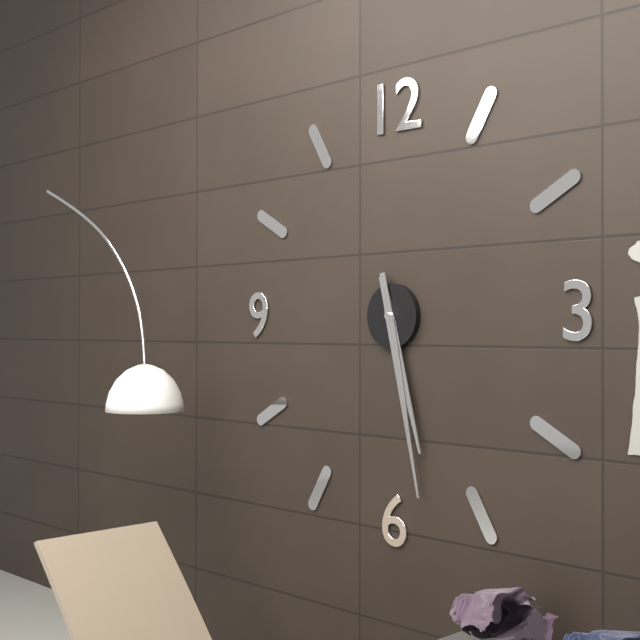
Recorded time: 5h28
